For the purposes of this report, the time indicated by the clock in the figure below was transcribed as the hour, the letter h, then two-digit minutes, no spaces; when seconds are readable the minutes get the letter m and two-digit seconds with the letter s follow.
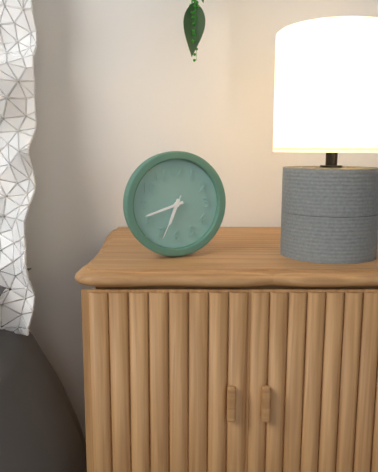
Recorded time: 6h42
